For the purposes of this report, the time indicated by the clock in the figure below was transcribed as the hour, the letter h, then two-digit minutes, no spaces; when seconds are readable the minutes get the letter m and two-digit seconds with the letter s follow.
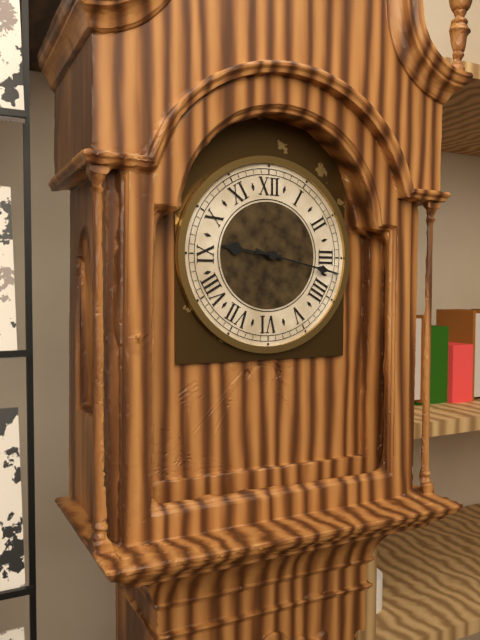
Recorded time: 9h17
